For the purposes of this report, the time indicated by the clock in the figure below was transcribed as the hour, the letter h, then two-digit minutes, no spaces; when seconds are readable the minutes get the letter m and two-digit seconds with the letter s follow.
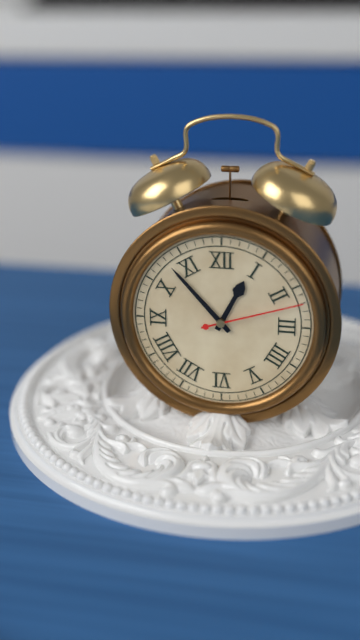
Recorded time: 12h53m12s
